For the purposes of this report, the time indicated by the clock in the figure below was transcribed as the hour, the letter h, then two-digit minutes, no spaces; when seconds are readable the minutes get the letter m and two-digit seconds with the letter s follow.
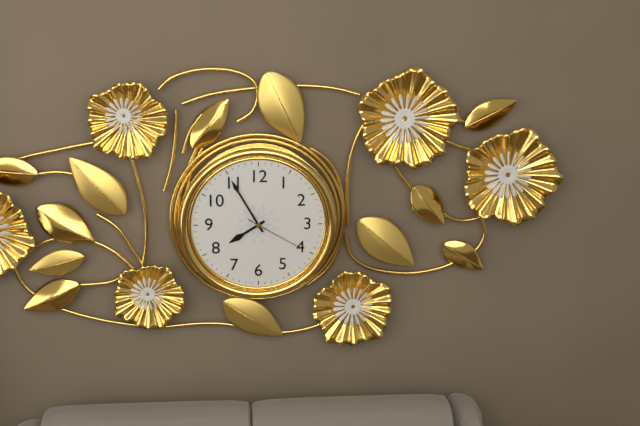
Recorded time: 7h55m20s
